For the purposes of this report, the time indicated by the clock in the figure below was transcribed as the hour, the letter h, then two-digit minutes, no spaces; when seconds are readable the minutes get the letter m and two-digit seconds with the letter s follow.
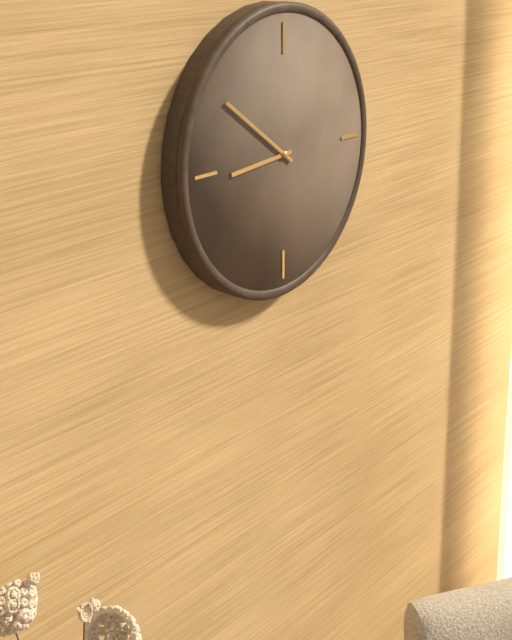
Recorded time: 8h51
